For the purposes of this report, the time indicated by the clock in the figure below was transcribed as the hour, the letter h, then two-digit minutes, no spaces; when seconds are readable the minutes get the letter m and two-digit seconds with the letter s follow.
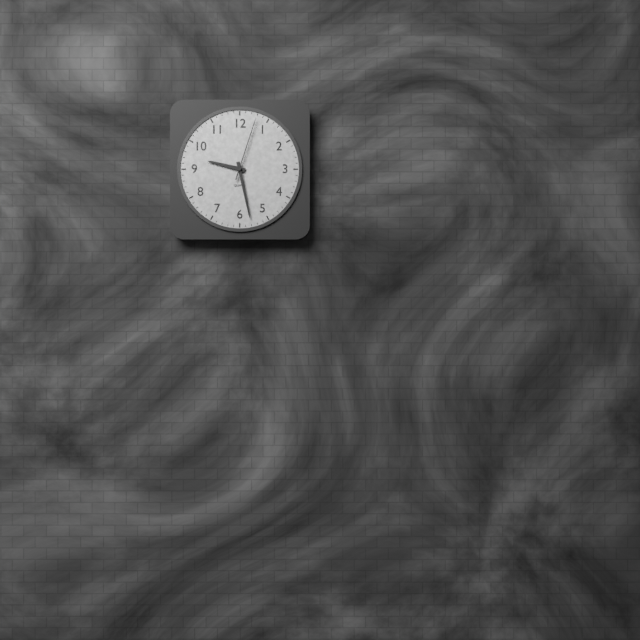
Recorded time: 9h28m03s
